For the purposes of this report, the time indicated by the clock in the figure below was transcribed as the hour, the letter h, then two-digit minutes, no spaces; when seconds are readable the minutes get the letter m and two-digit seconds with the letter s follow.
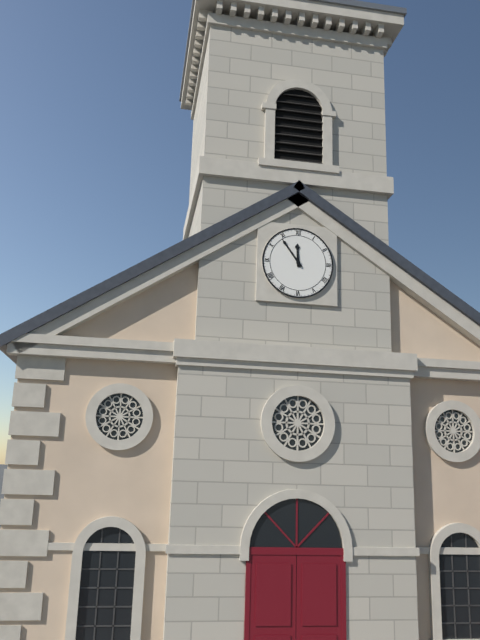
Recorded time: 11h54
